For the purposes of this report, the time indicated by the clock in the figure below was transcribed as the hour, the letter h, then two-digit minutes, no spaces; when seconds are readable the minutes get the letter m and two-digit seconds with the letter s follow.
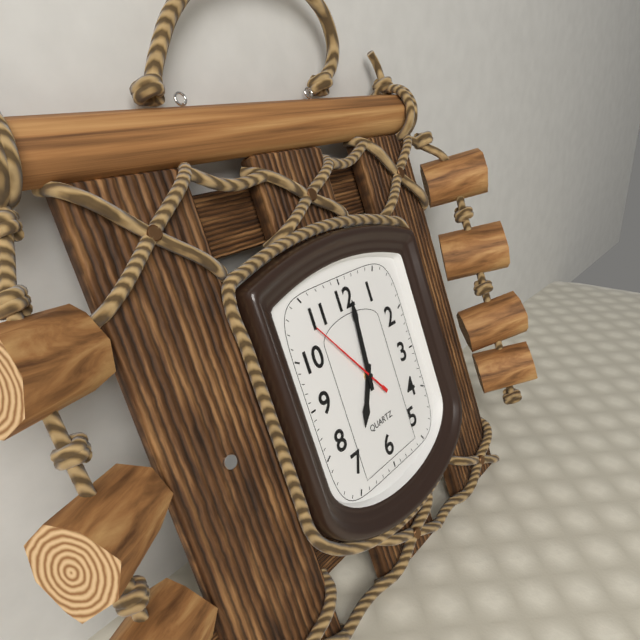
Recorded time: 7h01m54s
